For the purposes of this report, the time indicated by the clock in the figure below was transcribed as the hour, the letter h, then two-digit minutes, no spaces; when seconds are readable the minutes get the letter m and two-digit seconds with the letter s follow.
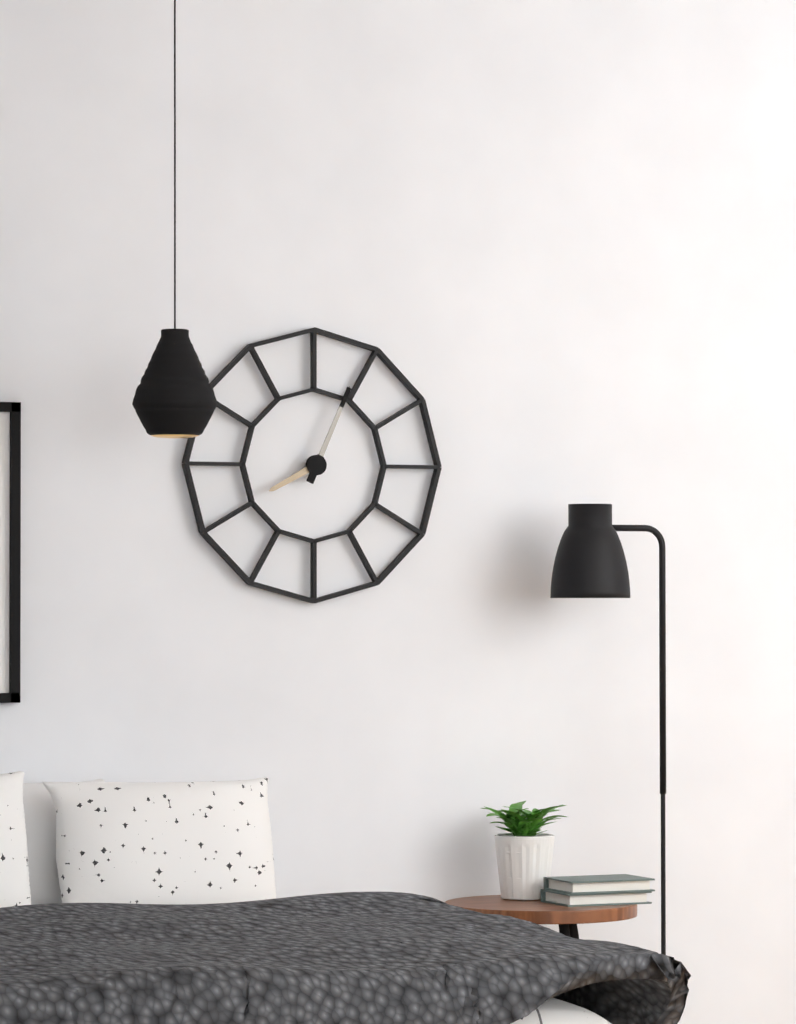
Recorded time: 8h04
